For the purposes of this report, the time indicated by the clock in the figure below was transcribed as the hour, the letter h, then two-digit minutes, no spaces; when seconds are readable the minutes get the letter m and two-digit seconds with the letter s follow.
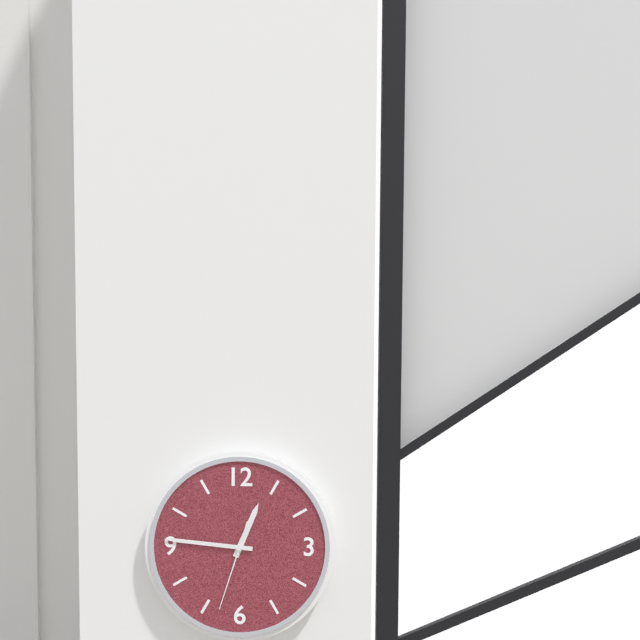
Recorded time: 12h46m33s
